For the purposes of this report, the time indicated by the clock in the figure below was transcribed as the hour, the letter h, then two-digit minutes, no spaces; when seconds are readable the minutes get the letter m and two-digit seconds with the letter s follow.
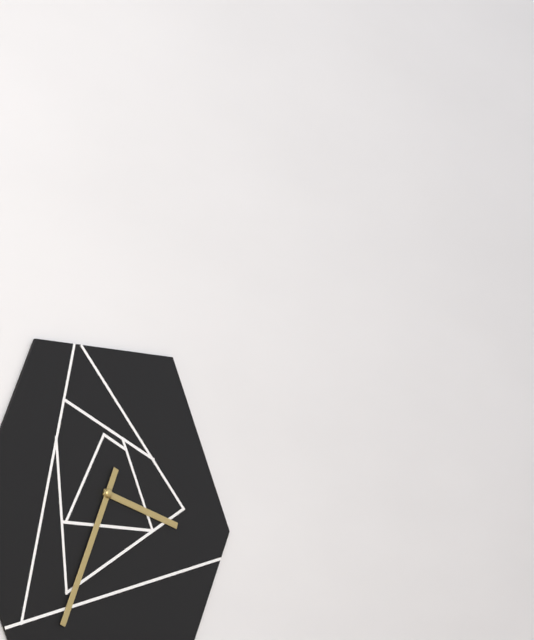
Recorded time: 3h34
